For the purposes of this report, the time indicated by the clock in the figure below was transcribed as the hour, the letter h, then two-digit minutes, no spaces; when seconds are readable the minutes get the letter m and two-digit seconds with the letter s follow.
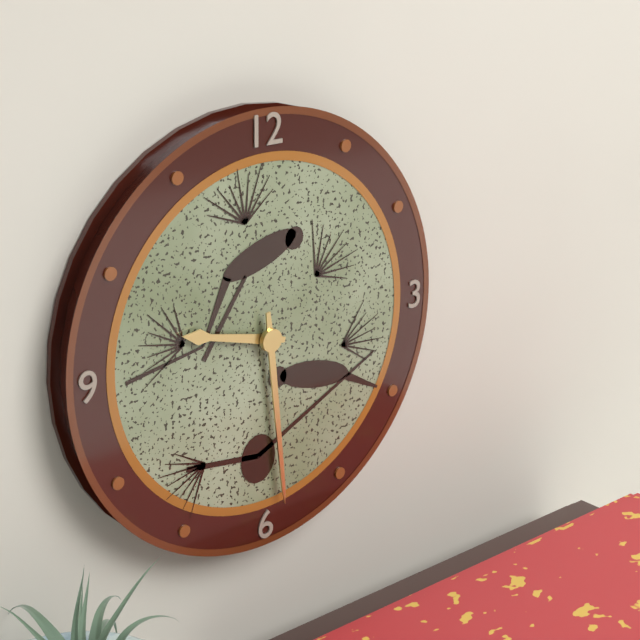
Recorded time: 9h29
